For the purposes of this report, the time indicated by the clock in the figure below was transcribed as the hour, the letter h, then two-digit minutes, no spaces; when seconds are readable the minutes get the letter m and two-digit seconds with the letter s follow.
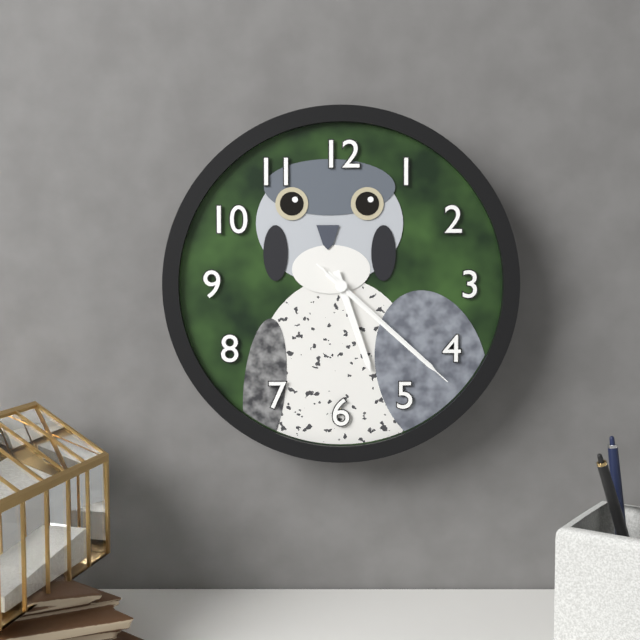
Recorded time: 5h22m22s
